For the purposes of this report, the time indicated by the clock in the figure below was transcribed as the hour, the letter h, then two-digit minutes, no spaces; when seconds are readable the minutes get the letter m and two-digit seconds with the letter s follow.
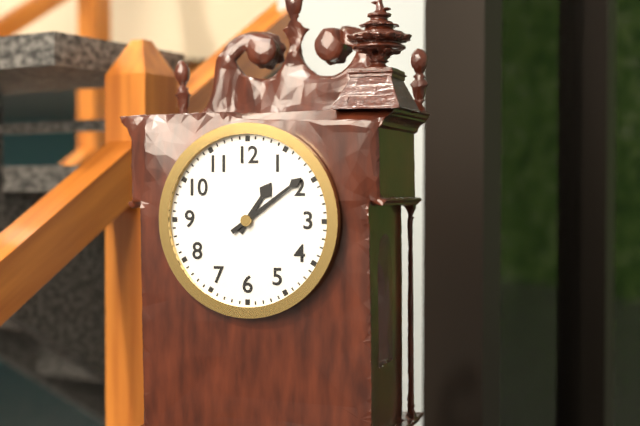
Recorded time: 1h09
